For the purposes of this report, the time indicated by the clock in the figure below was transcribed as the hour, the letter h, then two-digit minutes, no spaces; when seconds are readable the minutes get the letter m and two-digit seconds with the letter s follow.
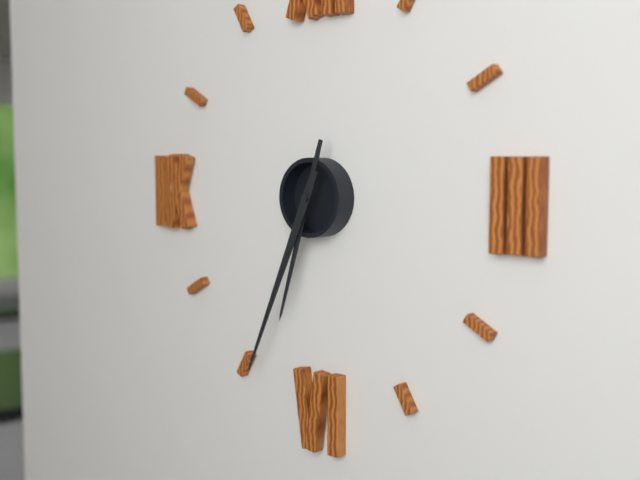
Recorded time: 6h34
